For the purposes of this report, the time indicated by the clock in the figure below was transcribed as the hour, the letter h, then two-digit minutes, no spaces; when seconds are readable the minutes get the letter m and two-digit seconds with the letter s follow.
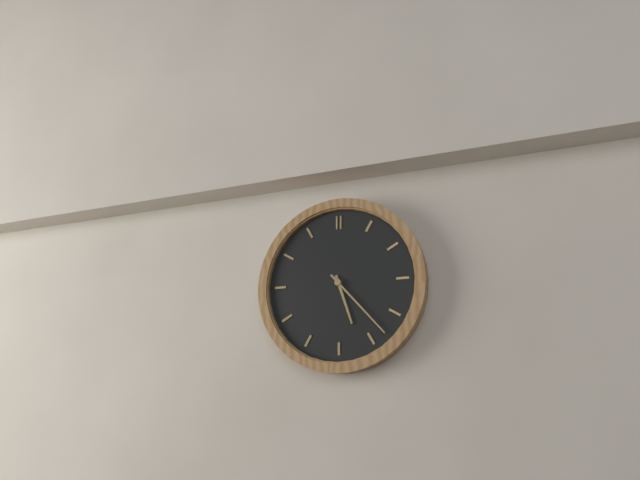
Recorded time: 5h23
